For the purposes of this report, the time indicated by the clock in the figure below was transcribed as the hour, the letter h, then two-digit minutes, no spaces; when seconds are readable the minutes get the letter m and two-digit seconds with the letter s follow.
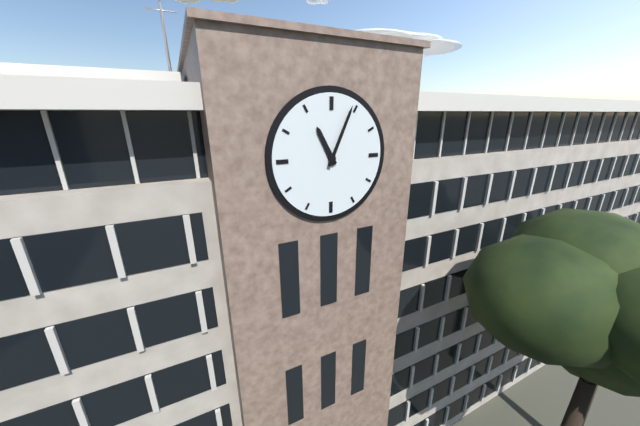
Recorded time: 11h04
